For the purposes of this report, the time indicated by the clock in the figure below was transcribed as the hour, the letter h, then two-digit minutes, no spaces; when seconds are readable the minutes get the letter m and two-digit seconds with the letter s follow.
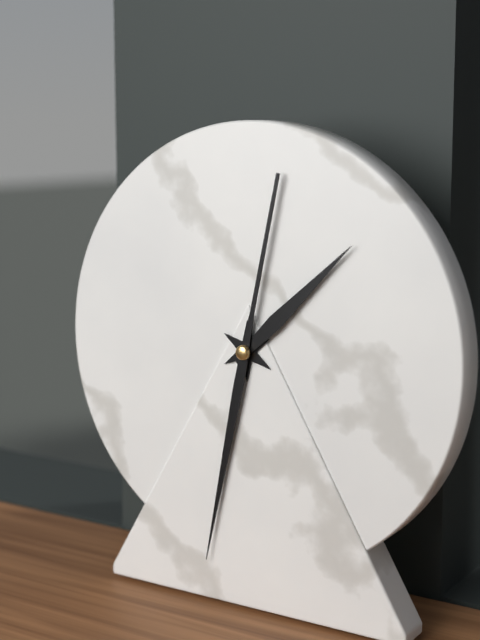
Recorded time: 1h32
